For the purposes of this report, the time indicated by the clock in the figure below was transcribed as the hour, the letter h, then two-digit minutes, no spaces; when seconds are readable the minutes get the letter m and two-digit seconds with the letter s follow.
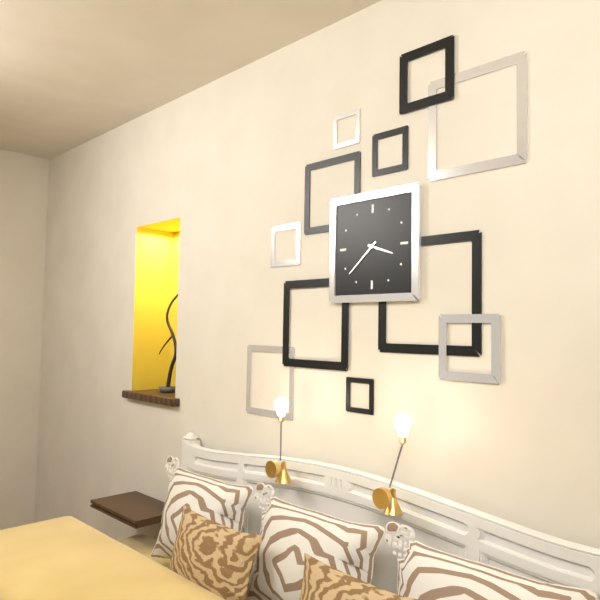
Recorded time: 3h38
